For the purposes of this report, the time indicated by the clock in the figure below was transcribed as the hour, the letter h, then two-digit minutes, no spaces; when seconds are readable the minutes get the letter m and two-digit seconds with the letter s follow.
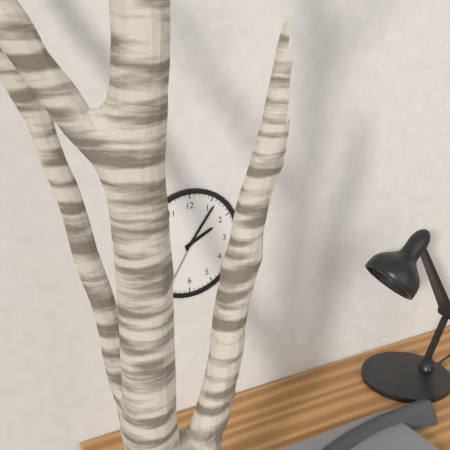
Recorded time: 2h06m35s
